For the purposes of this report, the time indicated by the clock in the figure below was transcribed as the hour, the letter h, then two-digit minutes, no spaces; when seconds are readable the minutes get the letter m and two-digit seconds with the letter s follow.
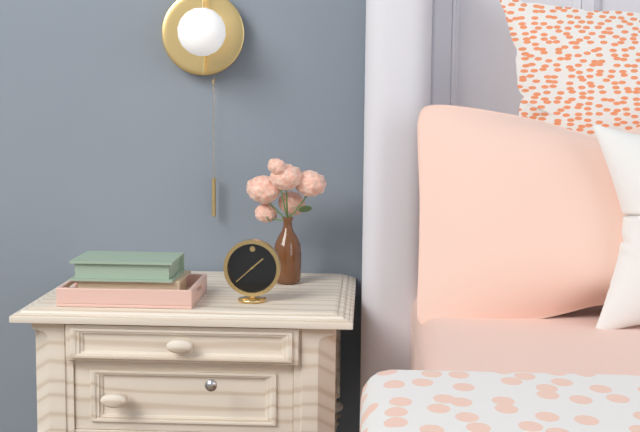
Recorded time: 1h38
